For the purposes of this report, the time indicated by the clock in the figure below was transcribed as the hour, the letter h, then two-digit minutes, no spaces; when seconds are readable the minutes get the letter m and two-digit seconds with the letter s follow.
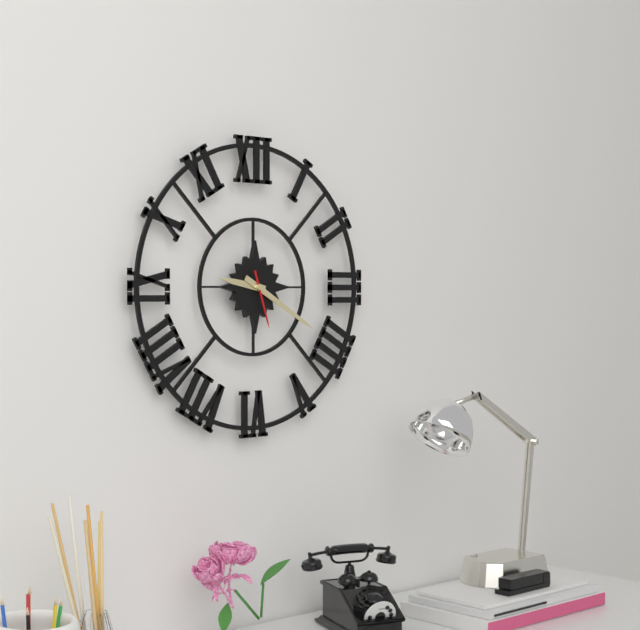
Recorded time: 9h20m27s
